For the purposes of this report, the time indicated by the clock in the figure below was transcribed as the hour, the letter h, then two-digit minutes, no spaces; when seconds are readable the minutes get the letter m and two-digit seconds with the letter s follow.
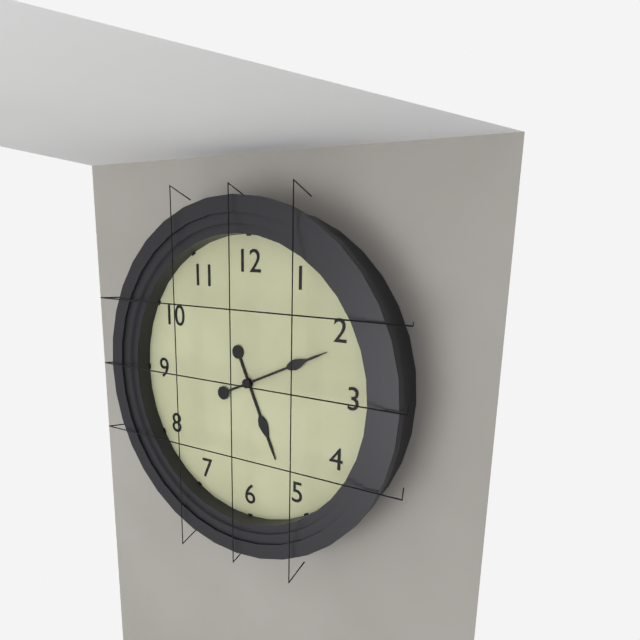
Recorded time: 5h11
